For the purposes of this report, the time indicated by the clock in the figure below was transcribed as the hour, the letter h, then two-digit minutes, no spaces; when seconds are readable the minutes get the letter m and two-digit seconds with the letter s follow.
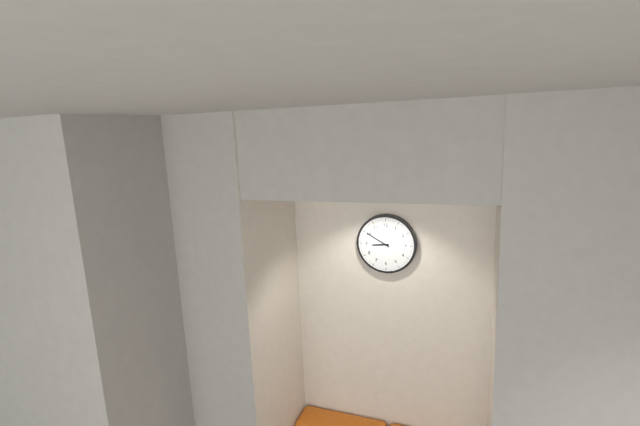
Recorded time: 8h50
